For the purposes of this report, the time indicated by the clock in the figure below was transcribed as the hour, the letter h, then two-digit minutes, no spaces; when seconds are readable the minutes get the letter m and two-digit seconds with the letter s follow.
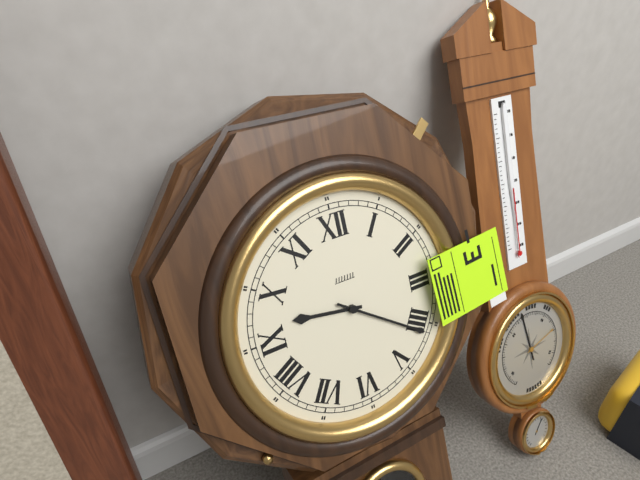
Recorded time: 9h21
